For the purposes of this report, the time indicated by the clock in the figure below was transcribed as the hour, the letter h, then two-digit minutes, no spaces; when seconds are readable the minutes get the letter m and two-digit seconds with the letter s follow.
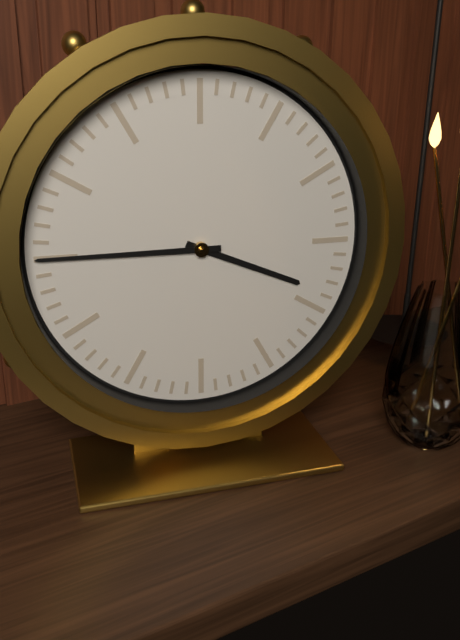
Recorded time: 3h45
